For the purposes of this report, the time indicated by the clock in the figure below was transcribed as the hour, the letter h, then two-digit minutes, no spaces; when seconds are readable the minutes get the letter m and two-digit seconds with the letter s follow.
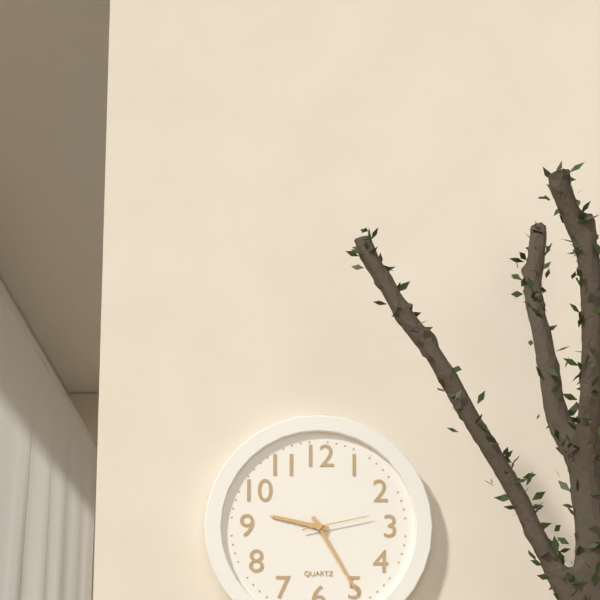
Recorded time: 9h25m13s
